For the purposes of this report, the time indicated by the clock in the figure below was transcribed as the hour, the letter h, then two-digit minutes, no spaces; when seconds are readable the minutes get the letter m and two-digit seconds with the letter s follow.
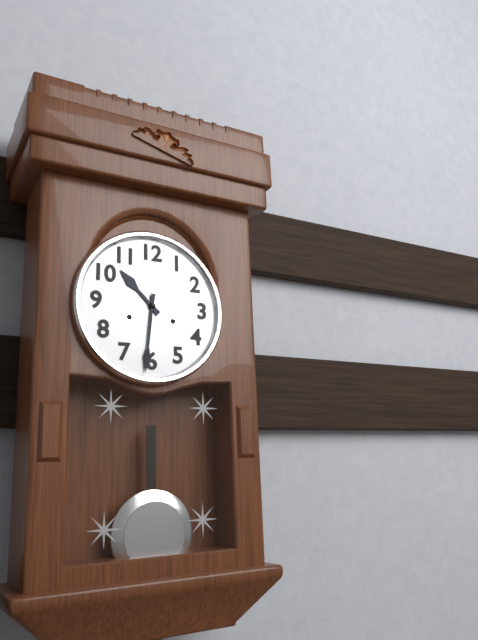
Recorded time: 10h31
